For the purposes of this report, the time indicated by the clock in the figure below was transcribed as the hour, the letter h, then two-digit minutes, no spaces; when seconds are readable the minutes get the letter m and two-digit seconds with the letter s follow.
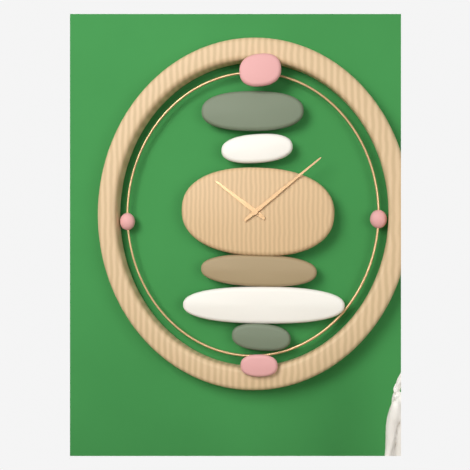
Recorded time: 10h09
